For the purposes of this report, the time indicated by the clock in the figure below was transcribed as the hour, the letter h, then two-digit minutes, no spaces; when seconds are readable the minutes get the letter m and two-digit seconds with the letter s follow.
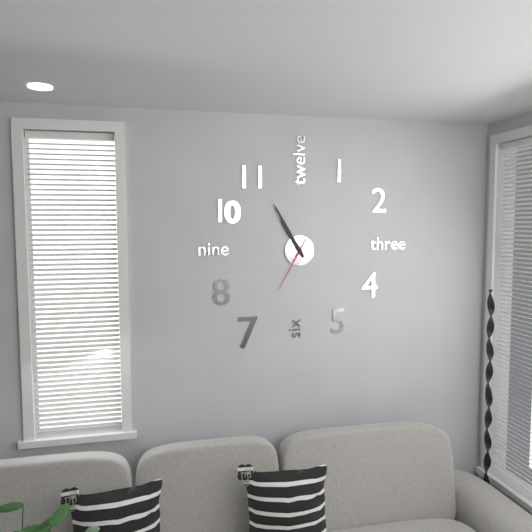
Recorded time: 10h55m35s
